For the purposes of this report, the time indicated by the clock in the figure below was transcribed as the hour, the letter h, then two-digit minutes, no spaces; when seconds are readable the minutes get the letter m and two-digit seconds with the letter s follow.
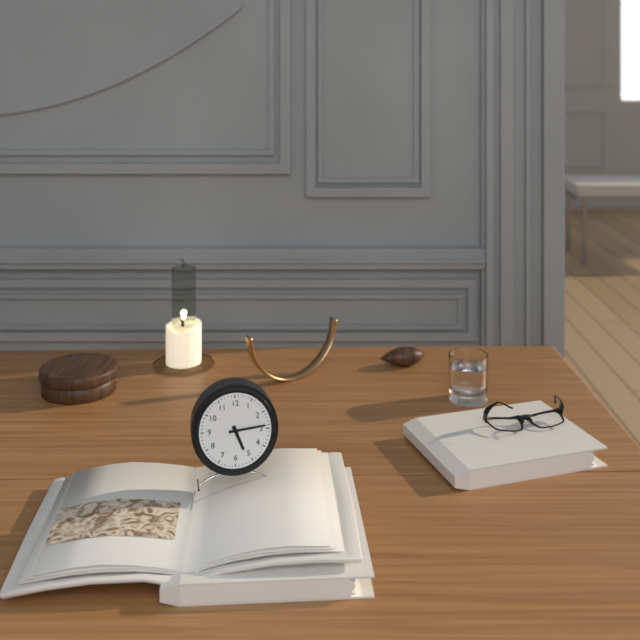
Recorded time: 5h14
